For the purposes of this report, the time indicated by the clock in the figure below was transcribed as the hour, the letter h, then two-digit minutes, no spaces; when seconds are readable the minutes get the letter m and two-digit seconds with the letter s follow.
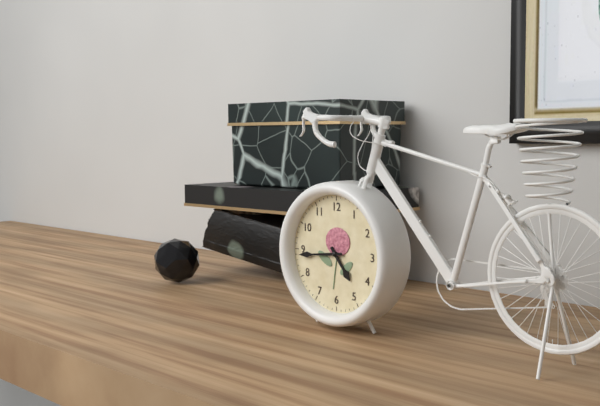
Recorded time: 4h44
